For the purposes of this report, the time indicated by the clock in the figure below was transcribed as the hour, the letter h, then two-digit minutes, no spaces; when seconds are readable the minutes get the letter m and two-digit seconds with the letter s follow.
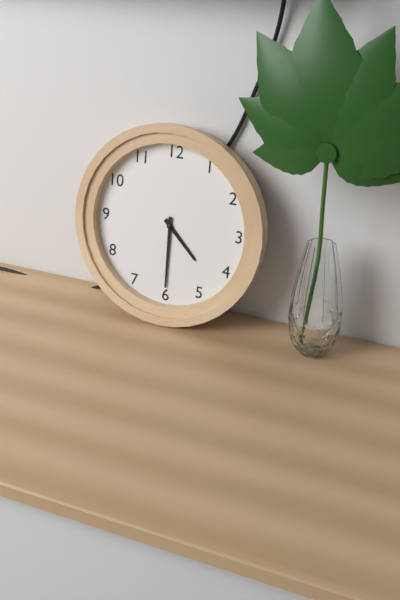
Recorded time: 4h30
